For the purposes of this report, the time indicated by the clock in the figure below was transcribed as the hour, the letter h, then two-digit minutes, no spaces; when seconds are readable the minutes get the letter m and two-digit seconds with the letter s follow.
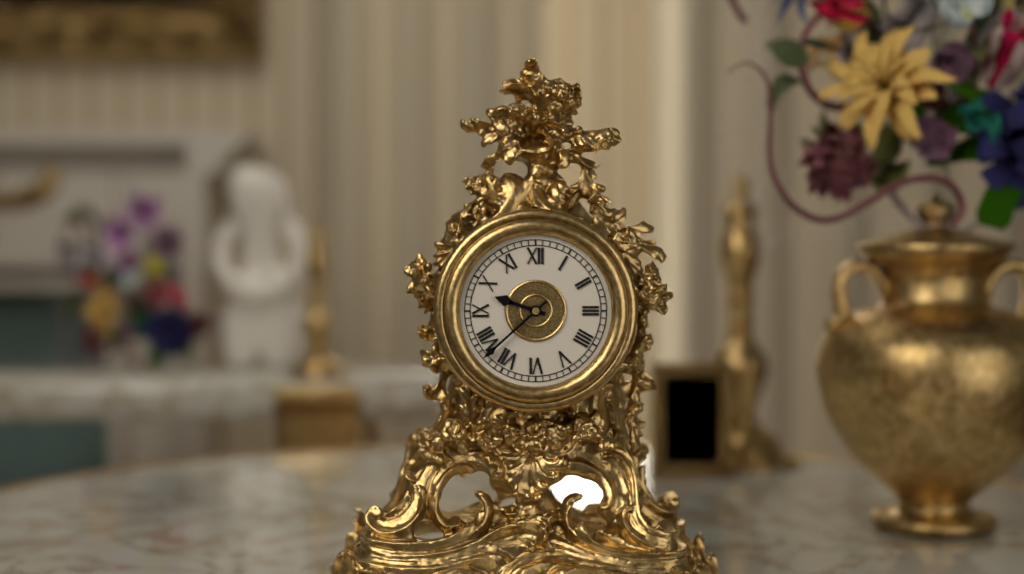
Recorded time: 9h38
